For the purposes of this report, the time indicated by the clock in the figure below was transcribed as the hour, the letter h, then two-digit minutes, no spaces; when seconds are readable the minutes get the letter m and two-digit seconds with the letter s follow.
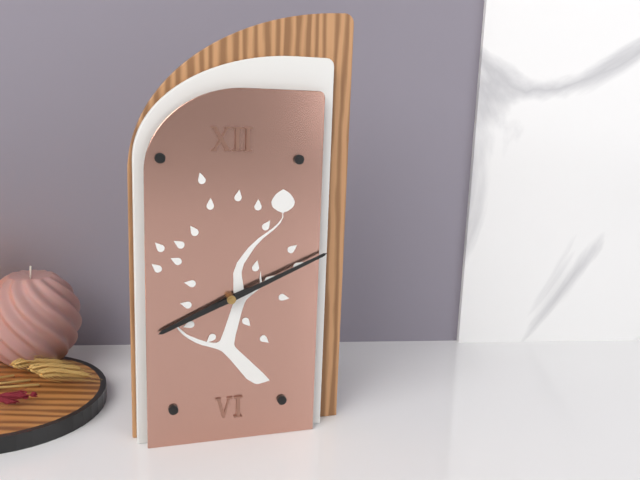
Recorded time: 8h11
